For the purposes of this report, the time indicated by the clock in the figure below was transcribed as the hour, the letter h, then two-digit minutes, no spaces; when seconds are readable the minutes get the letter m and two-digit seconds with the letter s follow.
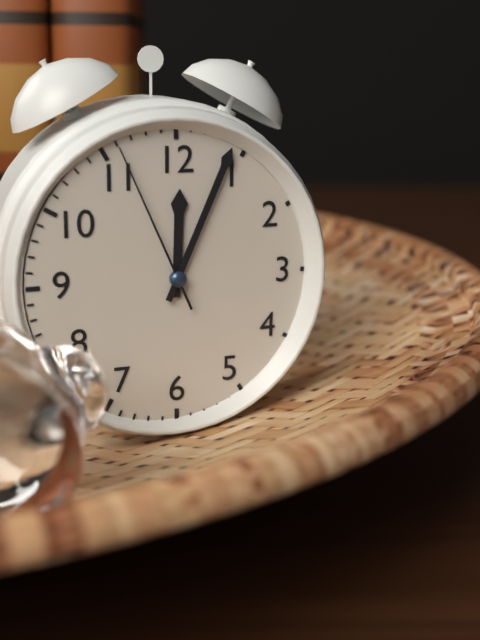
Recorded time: 12h04m56s
